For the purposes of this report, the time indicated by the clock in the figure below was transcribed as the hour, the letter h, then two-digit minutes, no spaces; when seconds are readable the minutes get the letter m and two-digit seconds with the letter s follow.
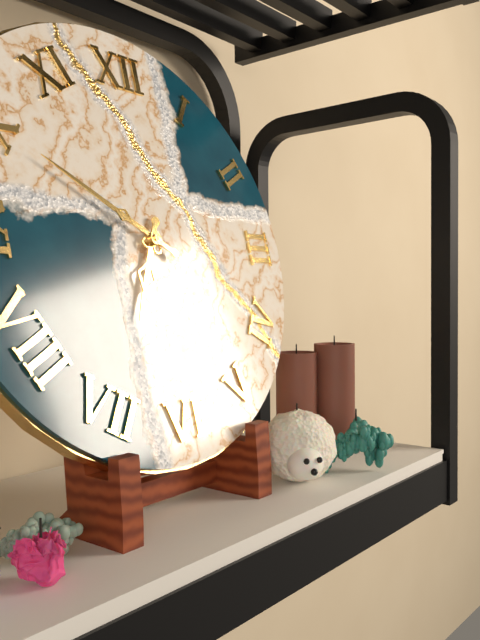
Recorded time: 6h50
